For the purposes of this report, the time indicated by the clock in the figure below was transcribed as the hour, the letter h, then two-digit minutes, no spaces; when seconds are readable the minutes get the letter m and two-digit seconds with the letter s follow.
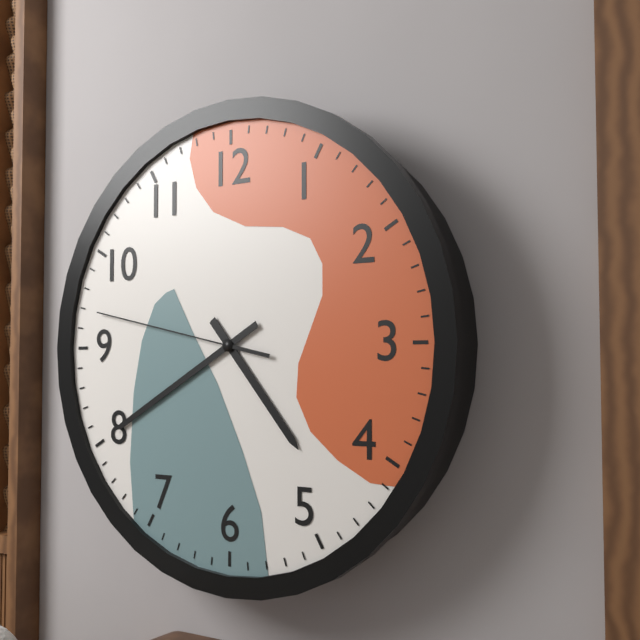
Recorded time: 4h40m47s
